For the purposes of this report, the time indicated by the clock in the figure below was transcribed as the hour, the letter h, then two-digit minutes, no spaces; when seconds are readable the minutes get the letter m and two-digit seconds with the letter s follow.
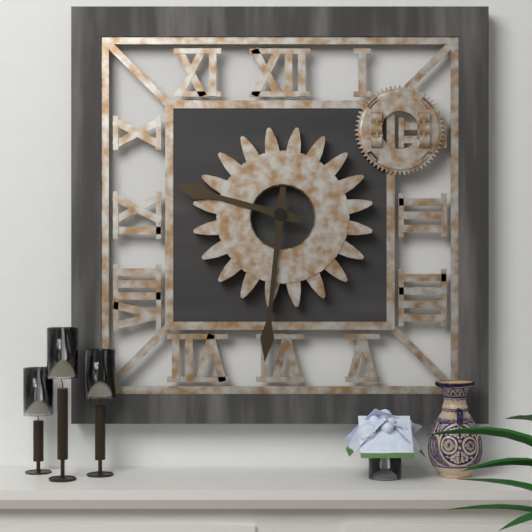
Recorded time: 9h31
